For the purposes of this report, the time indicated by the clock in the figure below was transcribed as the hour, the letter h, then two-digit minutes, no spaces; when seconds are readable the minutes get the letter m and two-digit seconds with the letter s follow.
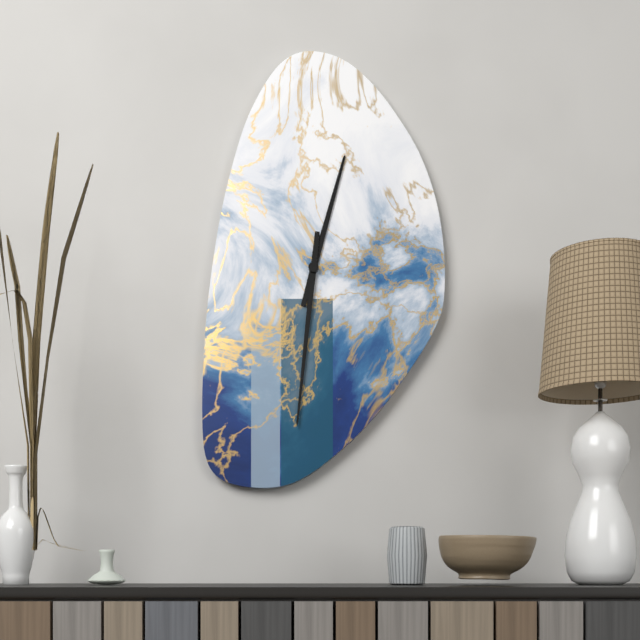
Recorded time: 12h31
